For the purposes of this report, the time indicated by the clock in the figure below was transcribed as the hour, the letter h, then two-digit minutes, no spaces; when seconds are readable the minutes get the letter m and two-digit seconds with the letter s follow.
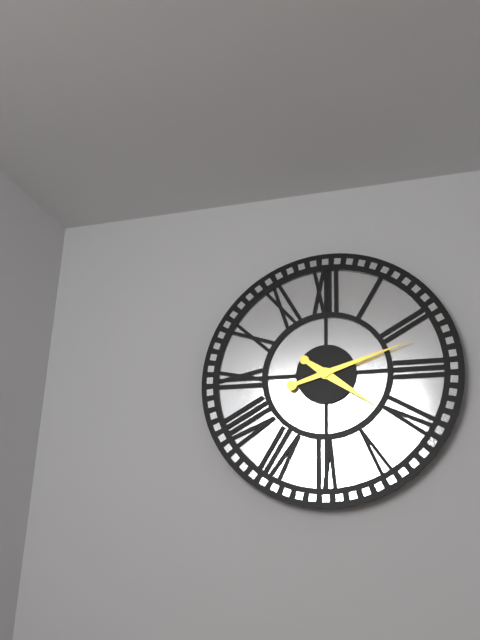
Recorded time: 4h12
